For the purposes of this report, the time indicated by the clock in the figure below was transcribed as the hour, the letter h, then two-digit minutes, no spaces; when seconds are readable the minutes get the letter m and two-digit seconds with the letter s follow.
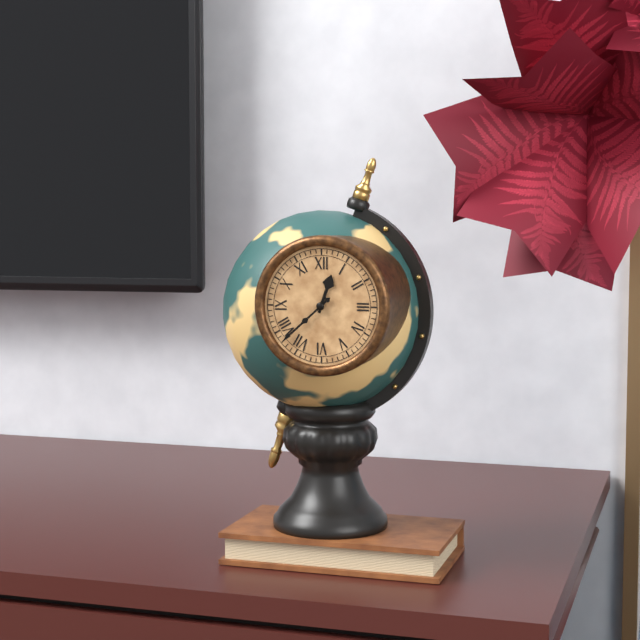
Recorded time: 12h38
